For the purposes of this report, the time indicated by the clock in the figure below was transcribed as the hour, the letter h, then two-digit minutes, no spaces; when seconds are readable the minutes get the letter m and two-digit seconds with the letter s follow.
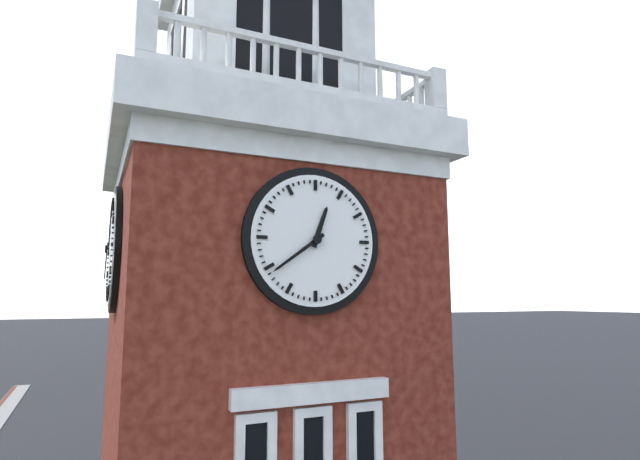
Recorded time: 12h39
